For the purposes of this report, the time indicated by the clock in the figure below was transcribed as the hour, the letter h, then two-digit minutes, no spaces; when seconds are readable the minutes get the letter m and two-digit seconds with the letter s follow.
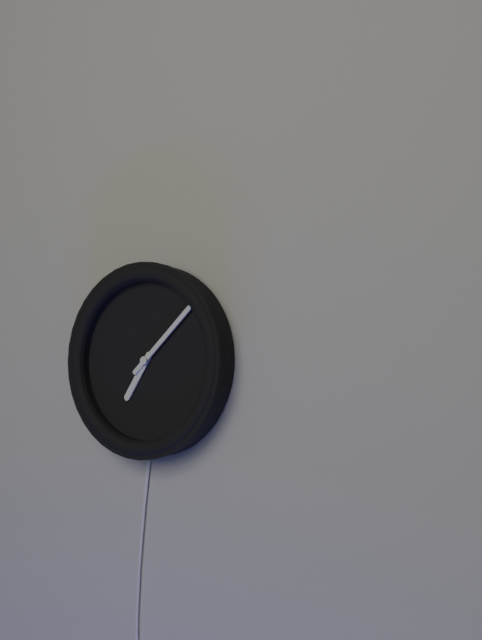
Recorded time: 7h08
